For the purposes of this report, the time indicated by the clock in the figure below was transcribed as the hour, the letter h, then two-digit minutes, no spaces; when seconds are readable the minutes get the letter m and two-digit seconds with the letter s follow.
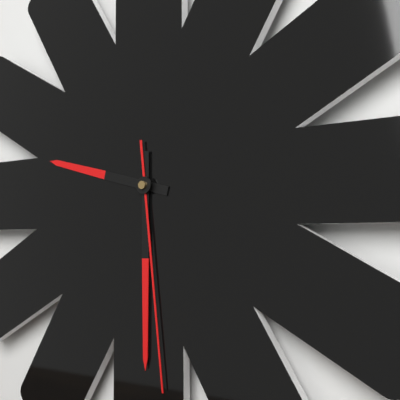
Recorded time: 9h30m29s
